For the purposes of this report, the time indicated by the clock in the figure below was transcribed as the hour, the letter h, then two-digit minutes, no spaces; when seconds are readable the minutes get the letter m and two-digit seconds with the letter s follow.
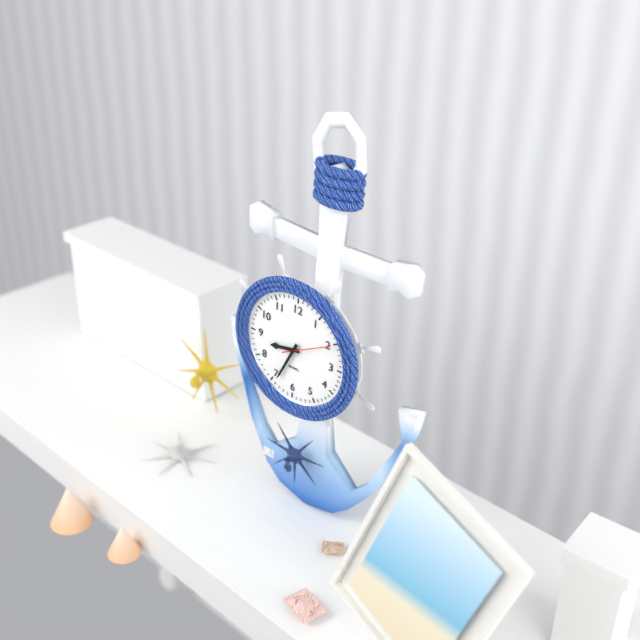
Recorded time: 8h34
